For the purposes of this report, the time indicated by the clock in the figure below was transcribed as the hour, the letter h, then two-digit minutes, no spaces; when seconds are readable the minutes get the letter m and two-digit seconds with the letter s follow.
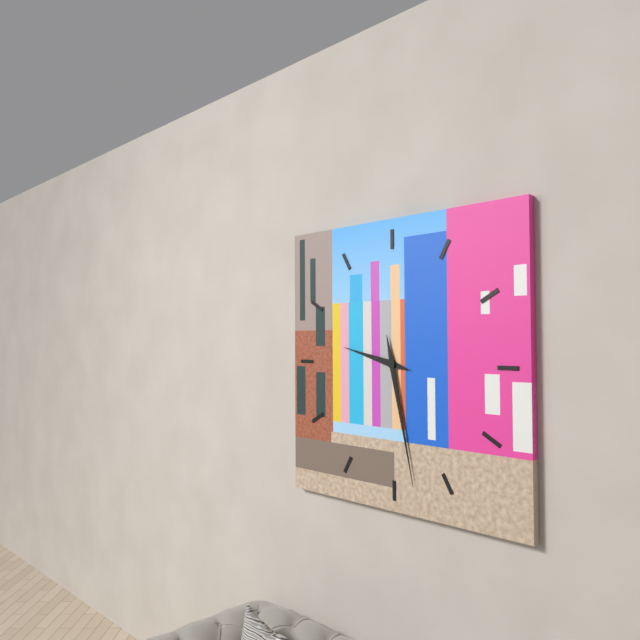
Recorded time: 9h28
